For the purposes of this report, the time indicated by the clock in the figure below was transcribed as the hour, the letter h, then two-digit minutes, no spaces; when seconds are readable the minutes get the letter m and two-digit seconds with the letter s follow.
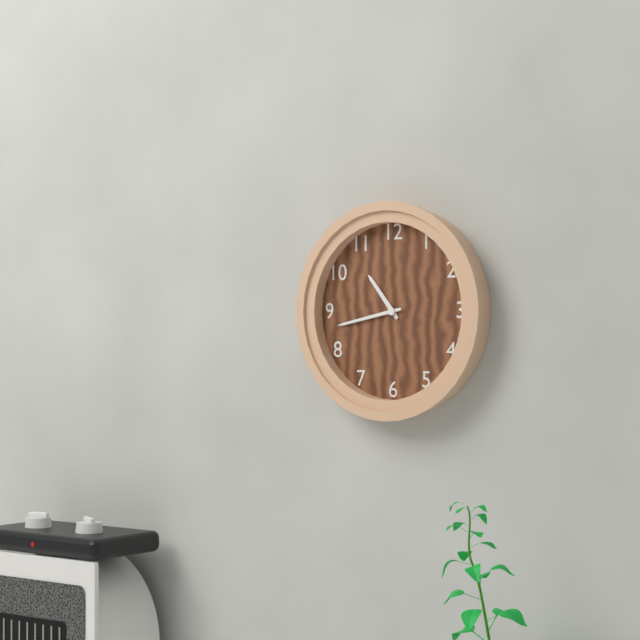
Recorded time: 10h43
